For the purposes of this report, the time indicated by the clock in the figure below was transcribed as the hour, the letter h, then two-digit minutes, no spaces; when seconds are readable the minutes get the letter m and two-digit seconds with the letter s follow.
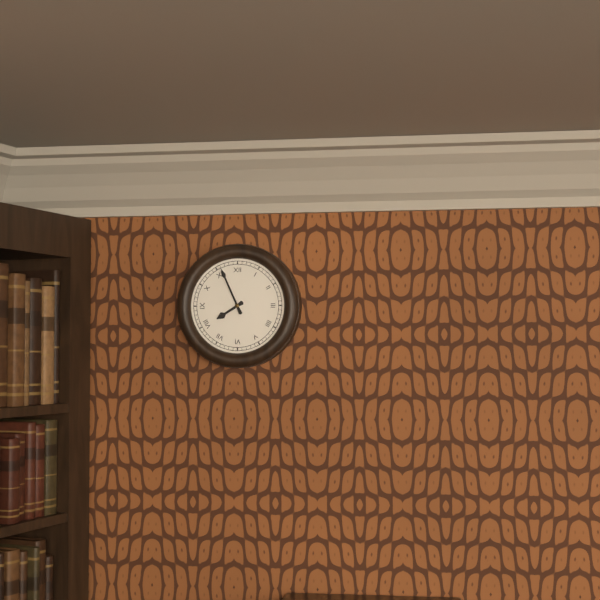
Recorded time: 7h56
